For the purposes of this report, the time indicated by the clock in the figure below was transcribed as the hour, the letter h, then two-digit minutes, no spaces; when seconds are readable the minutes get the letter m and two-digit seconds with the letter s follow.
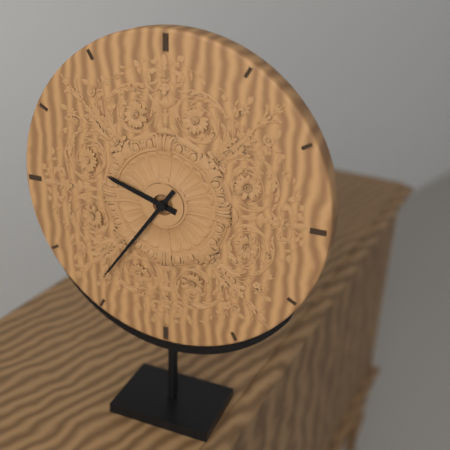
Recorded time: 9h36
